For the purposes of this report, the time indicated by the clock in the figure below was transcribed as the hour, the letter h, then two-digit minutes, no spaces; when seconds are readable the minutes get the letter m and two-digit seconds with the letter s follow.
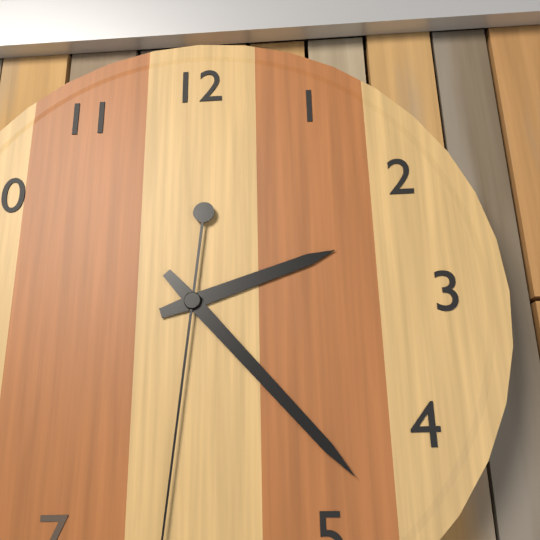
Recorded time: 2h23
